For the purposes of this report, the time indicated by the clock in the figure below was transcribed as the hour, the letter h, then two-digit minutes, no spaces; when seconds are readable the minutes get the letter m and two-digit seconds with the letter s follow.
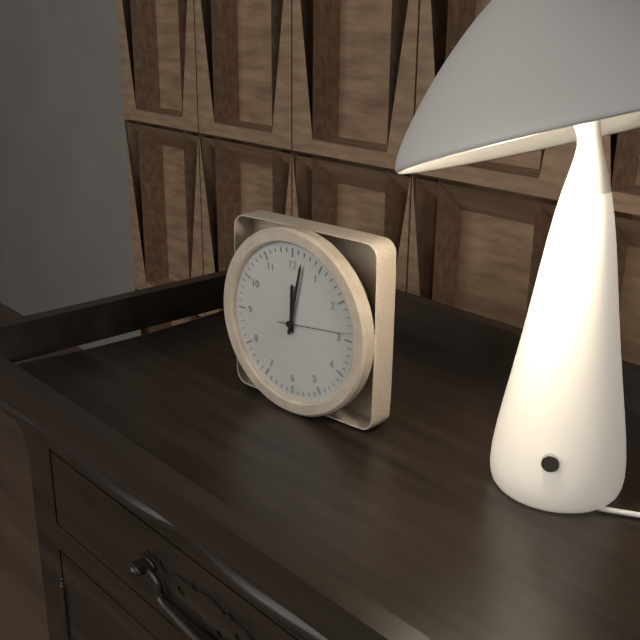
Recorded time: 12h02m14s
